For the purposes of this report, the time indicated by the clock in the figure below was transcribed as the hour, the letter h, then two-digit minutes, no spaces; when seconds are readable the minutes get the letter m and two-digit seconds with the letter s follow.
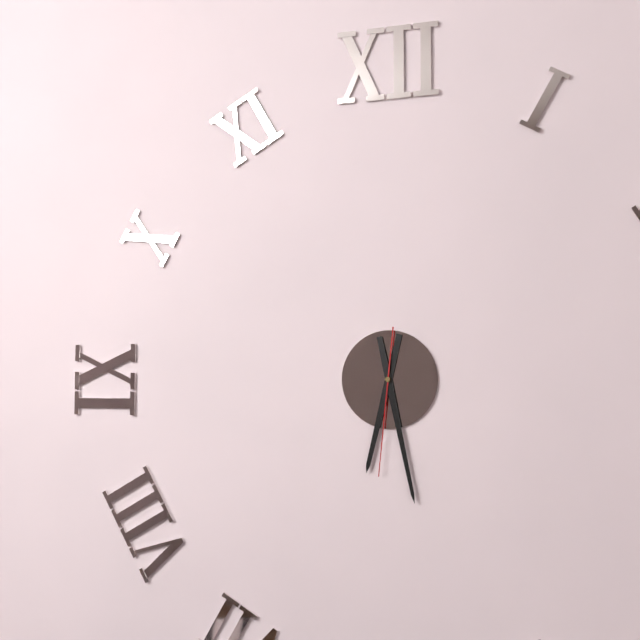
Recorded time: 6h28m31s
